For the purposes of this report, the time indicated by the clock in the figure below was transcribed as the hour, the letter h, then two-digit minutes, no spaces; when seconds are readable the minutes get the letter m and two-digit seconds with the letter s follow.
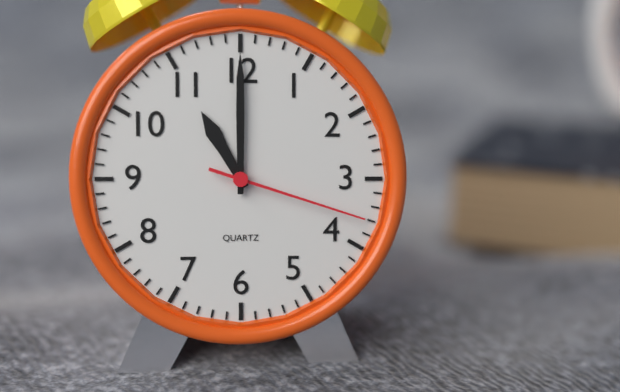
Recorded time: 11h00m18s
